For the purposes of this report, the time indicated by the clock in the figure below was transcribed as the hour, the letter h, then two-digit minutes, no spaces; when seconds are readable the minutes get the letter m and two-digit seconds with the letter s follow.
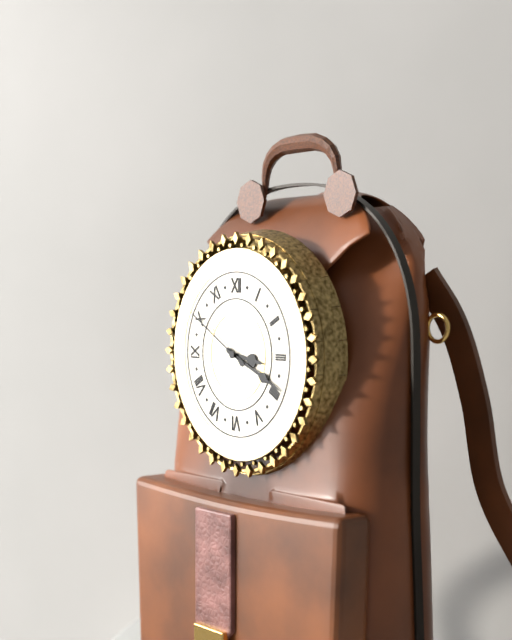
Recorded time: 3h19m50s
